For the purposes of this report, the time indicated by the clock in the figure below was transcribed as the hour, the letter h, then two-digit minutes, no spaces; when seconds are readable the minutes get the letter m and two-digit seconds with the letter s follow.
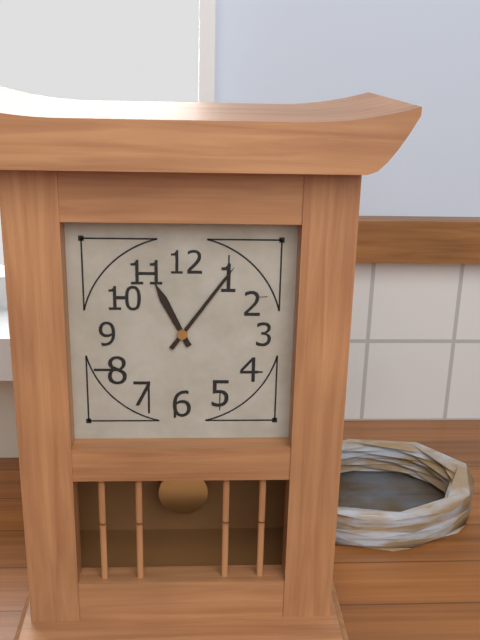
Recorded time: 11h06
